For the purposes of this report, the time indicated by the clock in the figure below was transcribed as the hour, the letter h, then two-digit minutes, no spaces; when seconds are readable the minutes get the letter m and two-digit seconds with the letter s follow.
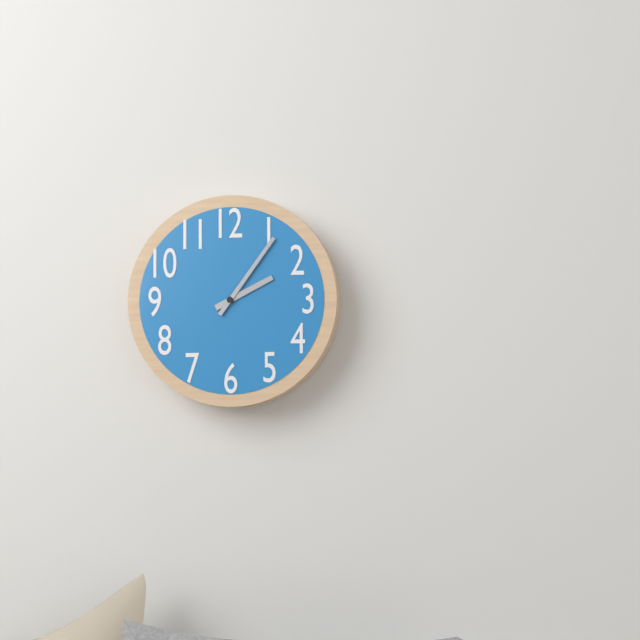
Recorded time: 2h06
